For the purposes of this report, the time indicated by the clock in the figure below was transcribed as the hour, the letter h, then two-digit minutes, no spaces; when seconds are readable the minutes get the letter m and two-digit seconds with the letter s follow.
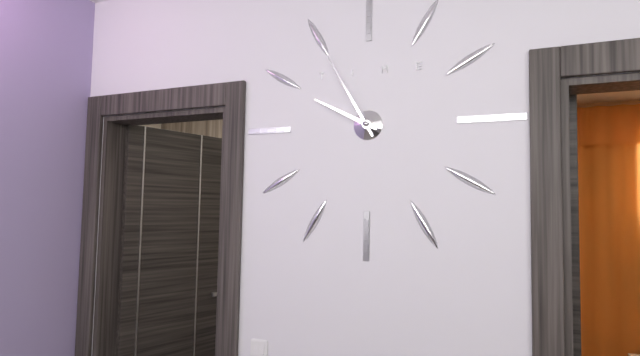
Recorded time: 9h55
